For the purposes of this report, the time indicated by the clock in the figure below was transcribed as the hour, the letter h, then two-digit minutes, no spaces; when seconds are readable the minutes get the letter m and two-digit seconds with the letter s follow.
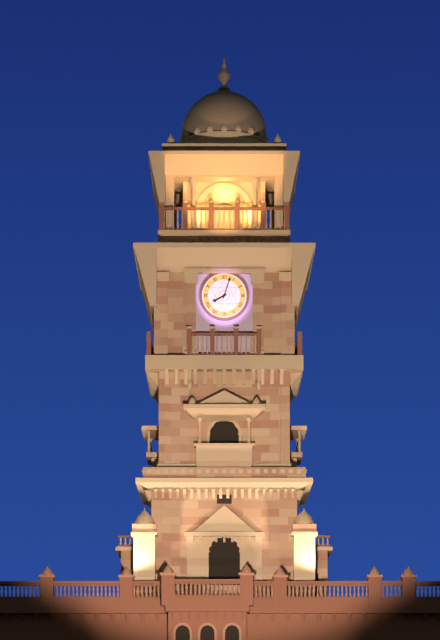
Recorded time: 8h03
